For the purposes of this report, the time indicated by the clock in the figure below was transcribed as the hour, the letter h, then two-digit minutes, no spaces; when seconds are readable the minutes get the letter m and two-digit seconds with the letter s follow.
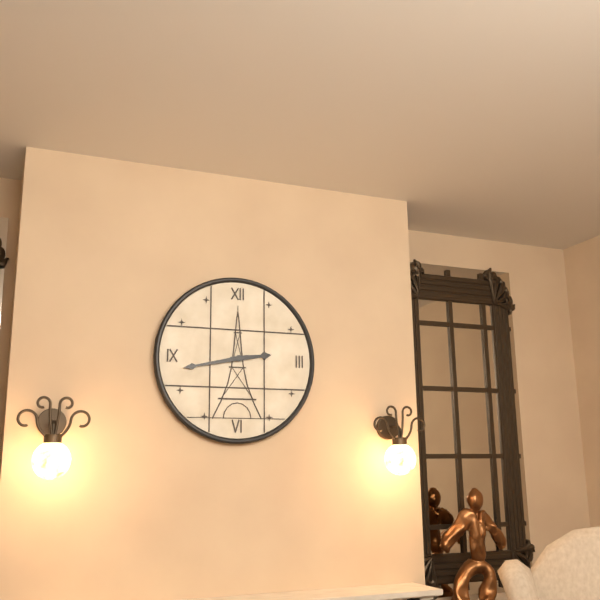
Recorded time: 2h43
